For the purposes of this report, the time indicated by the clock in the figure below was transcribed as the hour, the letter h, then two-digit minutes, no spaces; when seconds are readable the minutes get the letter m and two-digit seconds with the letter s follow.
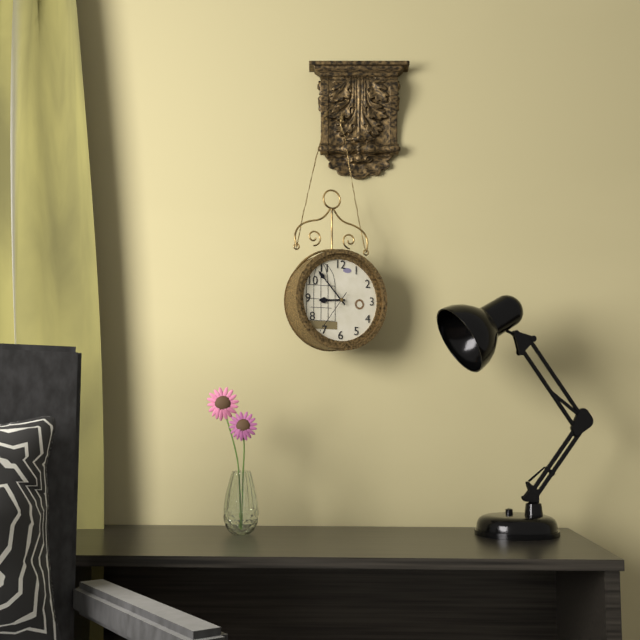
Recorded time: 8h53
